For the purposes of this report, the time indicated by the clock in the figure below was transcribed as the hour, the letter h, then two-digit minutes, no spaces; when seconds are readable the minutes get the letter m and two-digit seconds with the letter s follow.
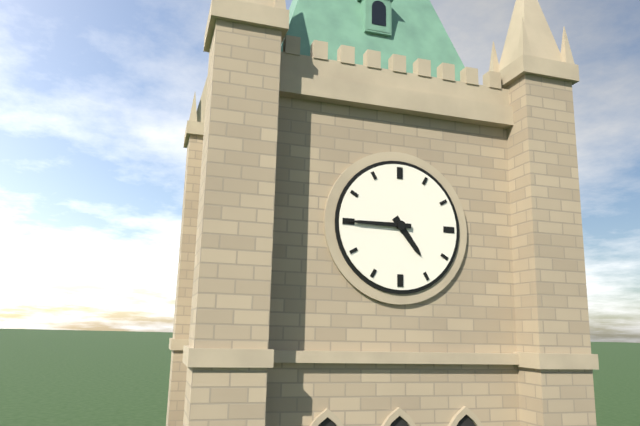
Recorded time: 4h45
